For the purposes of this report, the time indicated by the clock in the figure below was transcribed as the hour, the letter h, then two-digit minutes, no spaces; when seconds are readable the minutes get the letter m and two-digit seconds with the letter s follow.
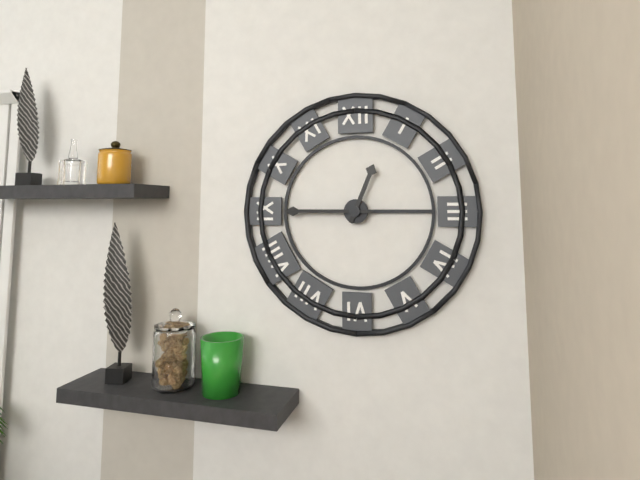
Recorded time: 12h45
